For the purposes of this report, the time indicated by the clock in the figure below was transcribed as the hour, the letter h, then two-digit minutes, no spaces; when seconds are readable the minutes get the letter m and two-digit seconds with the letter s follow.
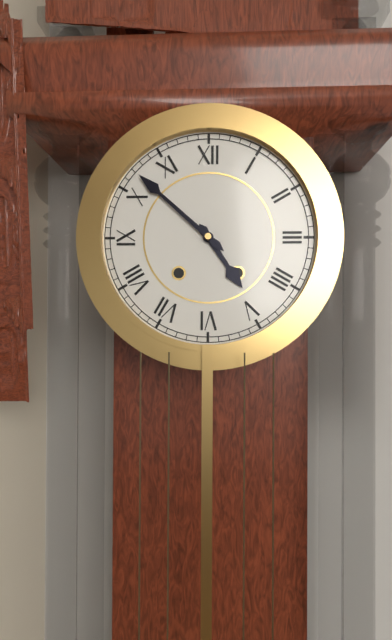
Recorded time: 4h52
